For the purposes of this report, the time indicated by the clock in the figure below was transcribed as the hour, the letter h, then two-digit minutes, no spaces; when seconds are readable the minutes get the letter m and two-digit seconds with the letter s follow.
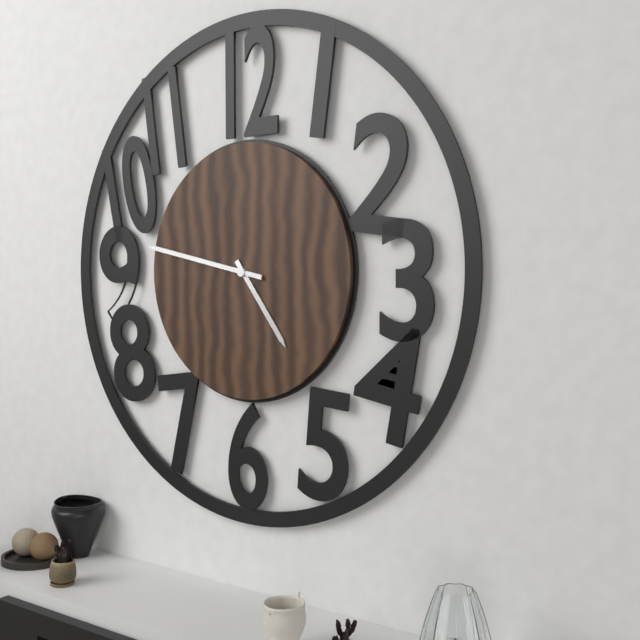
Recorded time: 4h47
